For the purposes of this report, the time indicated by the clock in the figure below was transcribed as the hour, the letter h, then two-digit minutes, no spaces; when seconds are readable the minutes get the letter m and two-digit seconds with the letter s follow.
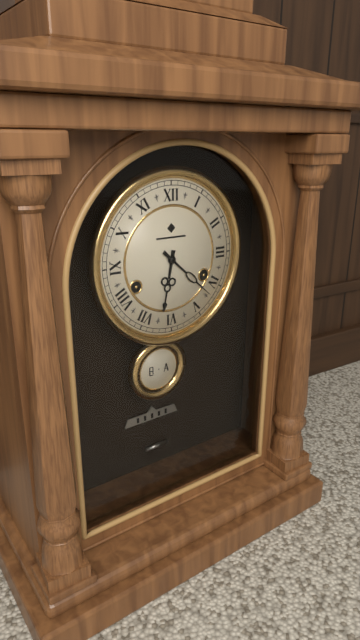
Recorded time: 6h22
